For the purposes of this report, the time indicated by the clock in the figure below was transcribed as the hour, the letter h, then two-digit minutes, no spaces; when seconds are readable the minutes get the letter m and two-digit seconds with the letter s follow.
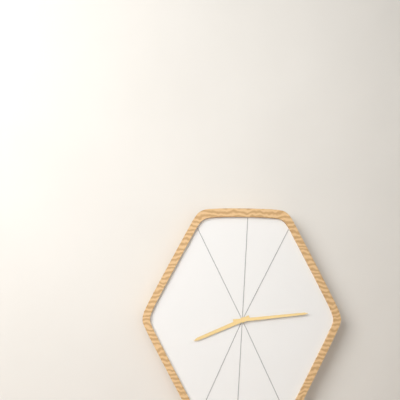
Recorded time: 8h14
